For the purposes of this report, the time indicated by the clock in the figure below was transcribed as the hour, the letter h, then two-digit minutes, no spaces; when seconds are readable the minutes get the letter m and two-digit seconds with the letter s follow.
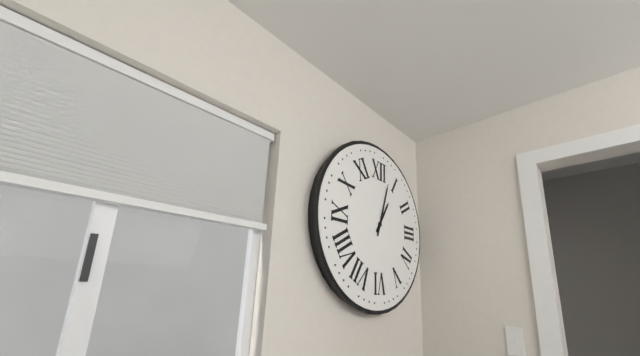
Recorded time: 1h03
